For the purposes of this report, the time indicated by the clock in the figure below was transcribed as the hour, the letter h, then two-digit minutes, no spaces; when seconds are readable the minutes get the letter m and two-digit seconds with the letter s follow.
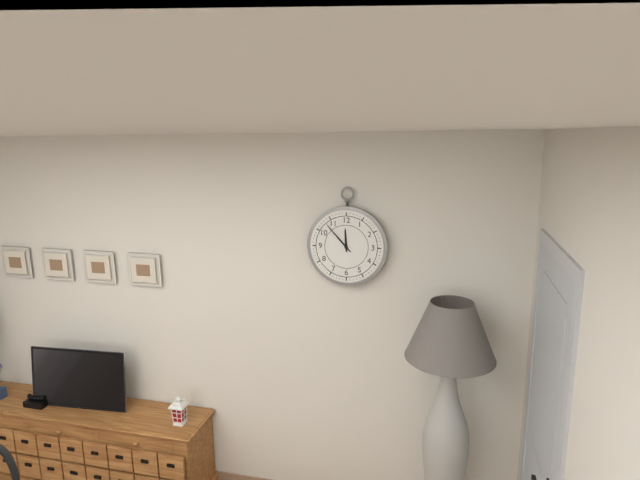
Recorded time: 11h53
